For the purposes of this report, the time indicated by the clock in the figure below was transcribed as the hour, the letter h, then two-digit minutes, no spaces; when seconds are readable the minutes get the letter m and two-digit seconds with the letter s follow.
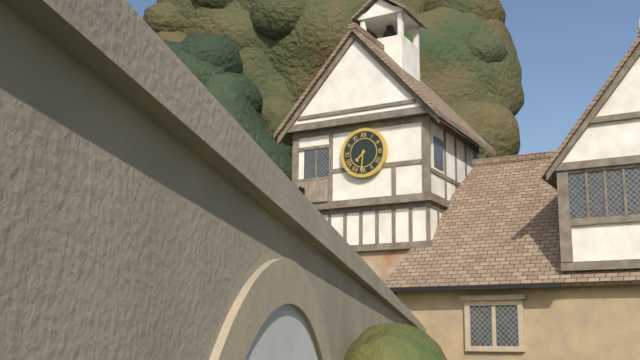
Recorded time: 7h31
